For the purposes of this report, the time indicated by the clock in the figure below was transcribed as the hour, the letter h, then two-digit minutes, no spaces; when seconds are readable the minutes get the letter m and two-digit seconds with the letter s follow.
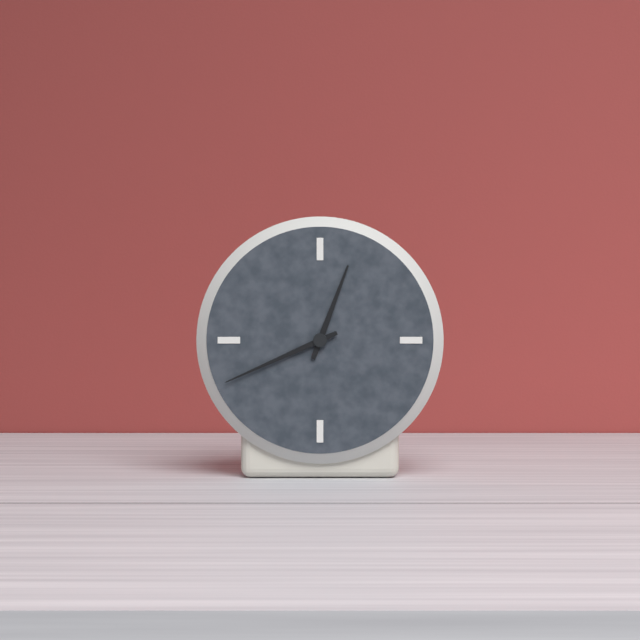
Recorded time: 12h41
